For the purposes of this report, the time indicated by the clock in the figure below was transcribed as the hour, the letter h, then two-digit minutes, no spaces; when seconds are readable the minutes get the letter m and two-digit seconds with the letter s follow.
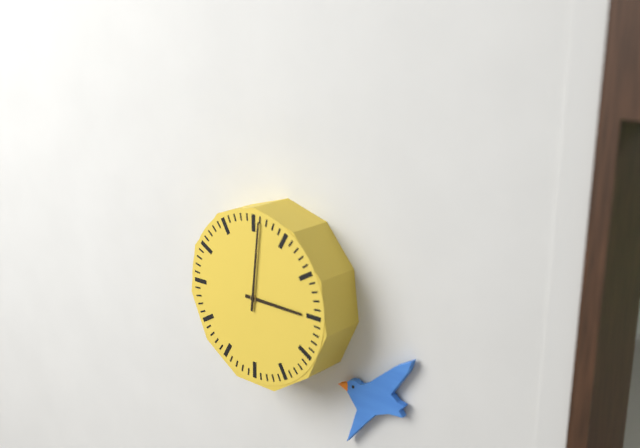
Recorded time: 3h01
